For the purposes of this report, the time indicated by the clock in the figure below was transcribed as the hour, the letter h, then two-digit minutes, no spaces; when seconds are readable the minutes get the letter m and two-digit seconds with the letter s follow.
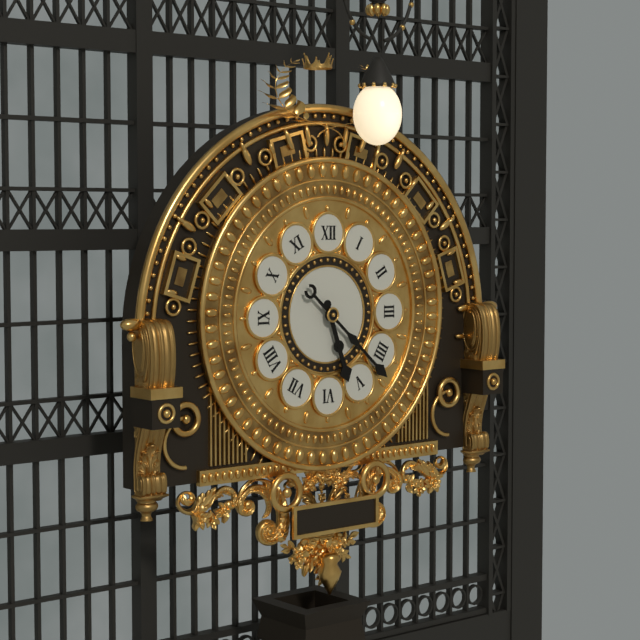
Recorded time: 5h22
